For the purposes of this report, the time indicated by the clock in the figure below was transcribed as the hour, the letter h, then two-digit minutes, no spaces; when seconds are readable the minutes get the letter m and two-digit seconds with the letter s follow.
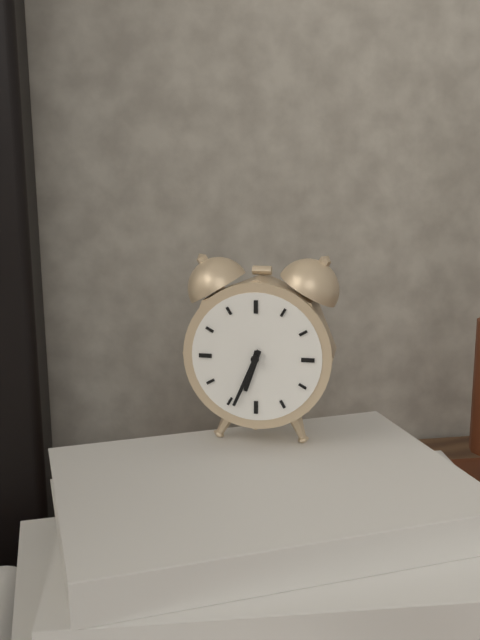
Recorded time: 6h34
